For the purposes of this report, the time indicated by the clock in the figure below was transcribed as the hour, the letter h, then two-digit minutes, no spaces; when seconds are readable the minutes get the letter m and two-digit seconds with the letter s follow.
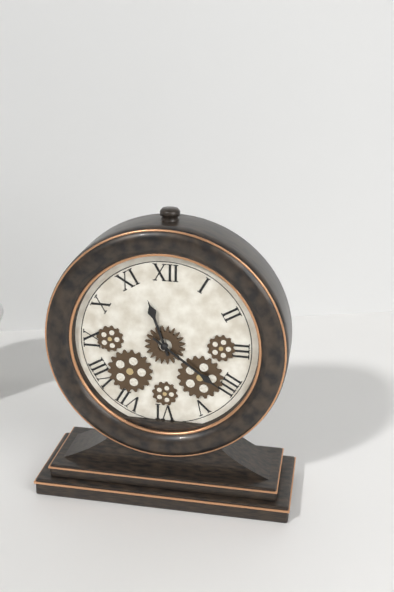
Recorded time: 11h21
